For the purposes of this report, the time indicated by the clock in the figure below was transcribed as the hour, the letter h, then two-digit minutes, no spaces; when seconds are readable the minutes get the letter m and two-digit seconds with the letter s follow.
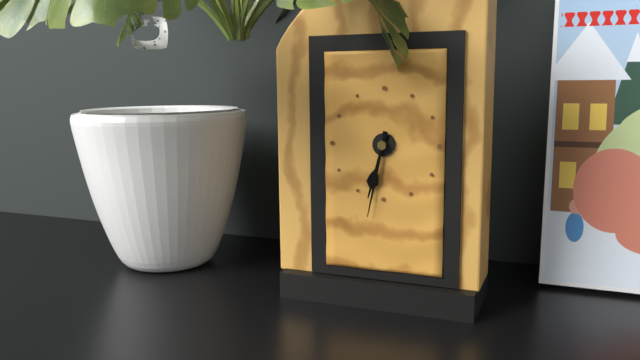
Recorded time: 6h32
